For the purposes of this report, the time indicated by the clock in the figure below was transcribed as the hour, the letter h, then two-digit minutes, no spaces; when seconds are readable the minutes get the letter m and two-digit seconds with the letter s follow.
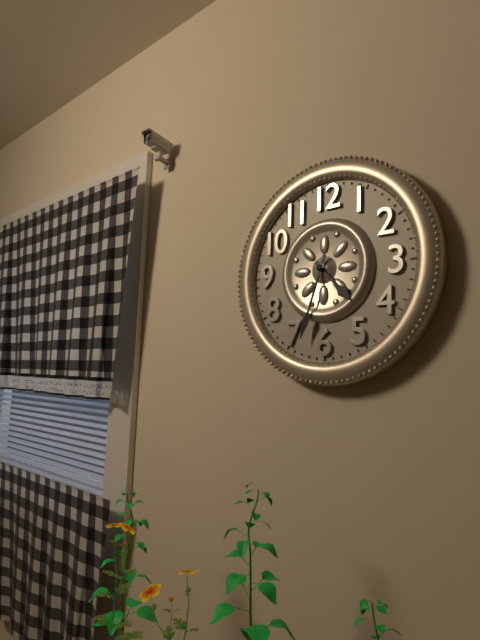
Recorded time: 4h33
